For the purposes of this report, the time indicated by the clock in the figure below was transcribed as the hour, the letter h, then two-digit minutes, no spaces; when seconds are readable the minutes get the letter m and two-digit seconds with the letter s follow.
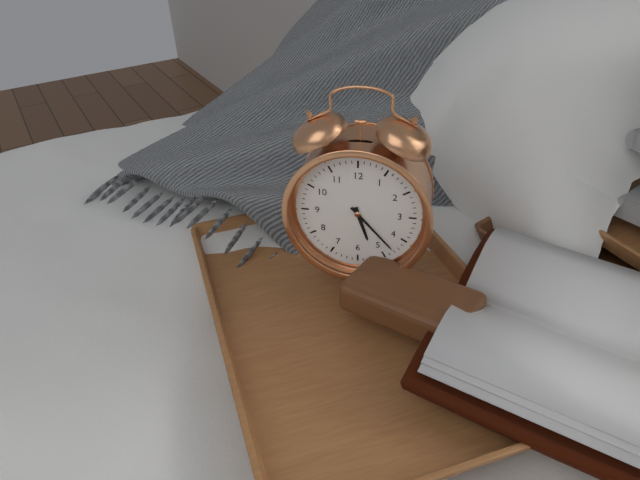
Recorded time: 5h23
